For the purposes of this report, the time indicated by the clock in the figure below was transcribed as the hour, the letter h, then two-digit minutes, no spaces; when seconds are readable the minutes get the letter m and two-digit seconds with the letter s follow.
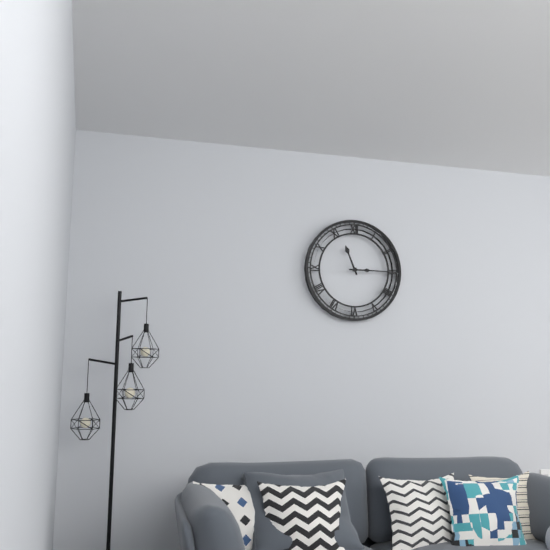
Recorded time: 11h15
